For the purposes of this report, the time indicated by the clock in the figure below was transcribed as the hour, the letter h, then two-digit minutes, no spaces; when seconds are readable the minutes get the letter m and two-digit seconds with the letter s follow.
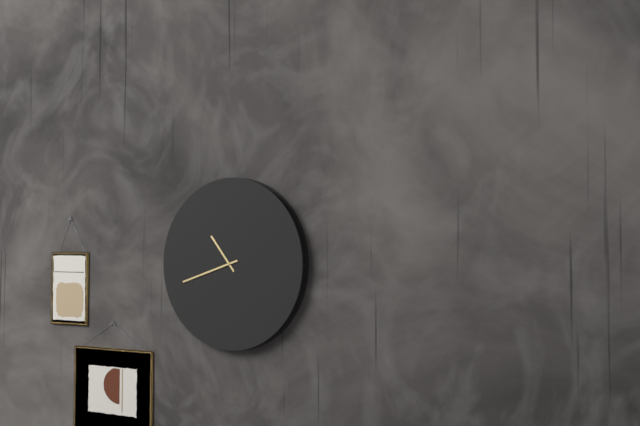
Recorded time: 10h42
